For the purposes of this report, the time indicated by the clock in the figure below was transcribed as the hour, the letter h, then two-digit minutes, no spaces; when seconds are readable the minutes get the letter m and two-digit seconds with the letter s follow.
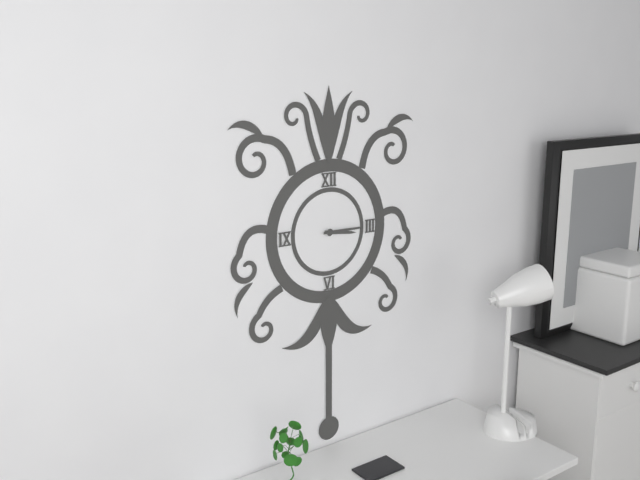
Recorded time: 3h15
